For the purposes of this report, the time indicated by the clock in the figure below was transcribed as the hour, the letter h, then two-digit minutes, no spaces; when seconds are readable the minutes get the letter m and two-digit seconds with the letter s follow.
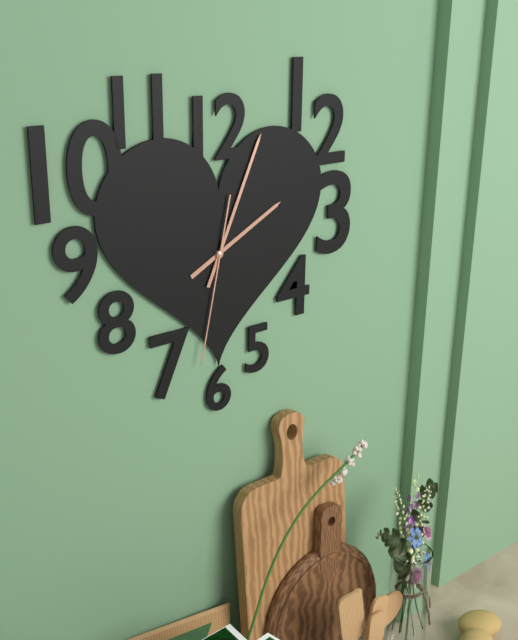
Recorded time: 2h04m32s
